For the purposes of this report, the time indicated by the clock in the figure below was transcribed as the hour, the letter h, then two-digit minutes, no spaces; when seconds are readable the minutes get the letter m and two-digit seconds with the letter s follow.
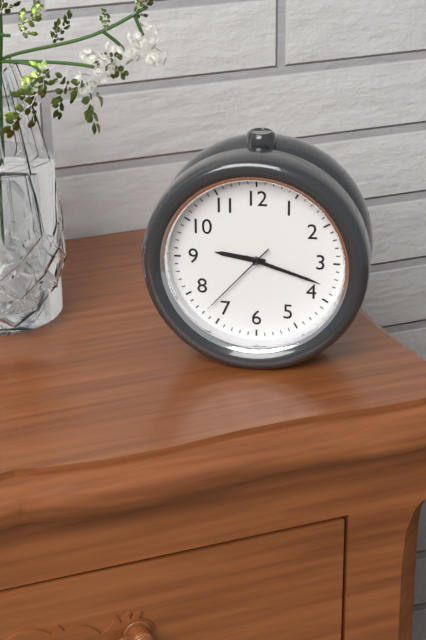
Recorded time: 9h18m37s
